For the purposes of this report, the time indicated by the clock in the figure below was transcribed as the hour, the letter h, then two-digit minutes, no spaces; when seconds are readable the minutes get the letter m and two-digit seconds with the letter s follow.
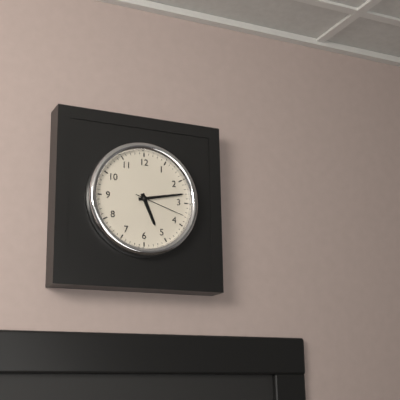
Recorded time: 5h13m18s
